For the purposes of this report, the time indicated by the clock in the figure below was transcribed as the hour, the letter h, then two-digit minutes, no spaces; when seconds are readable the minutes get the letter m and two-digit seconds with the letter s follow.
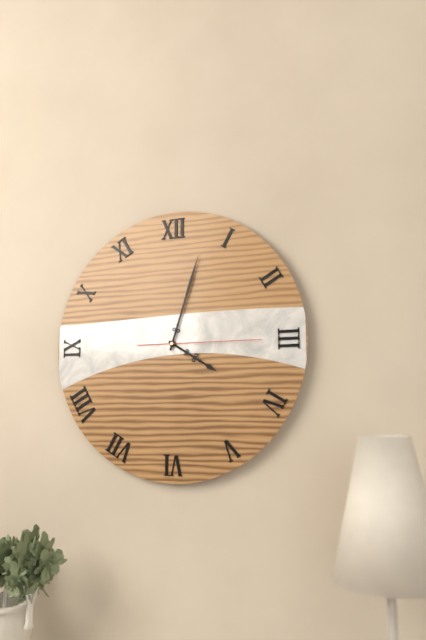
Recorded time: 4h03m15s
